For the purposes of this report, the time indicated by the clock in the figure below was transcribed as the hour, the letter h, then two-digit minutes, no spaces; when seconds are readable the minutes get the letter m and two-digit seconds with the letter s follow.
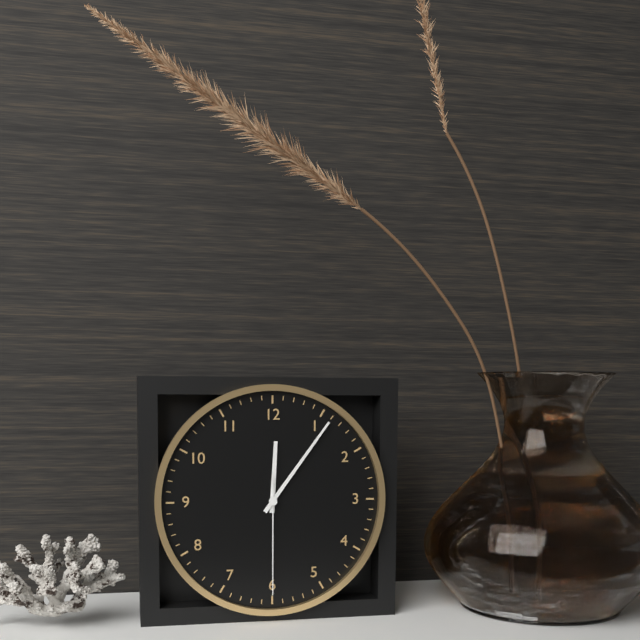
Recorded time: 12h06m30s
